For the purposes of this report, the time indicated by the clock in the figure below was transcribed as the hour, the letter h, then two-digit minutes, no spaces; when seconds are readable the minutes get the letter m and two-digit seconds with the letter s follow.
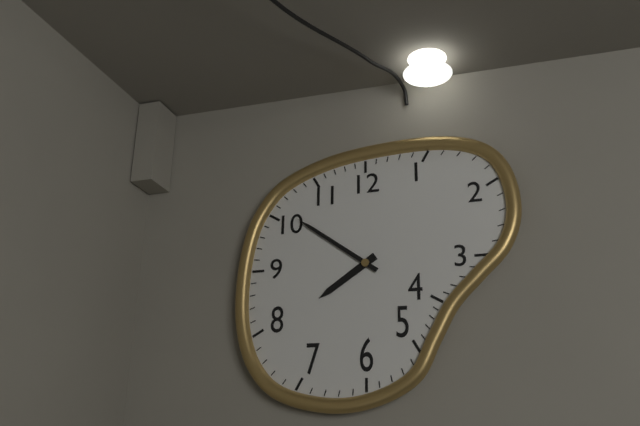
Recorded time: 7h51
